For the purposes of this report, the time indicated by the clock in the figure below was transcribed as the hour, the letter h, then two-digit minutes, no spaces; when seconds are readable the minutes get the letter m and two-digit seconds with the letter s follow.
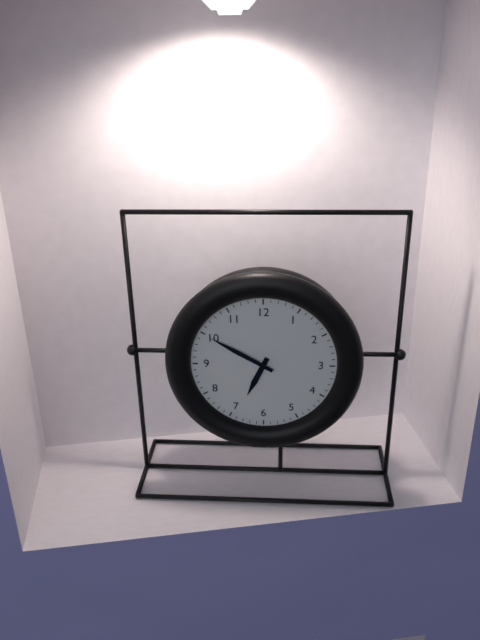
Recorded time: 6h50
